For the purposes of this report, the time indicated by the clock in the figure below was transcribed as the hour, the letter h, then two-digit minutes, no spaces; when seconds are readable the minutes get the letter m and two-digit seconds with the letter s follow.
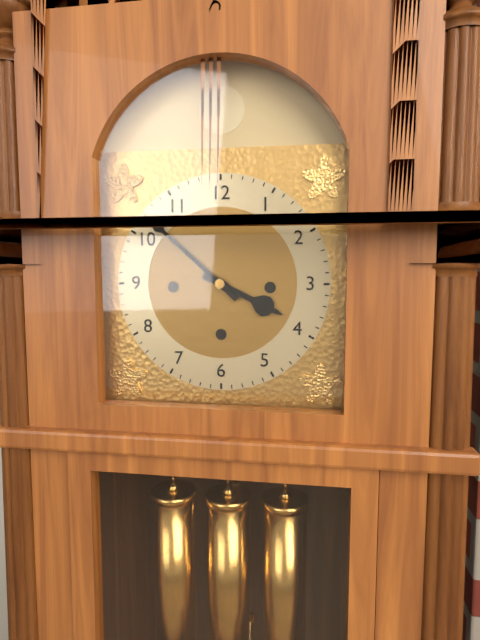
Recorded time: 3h52
